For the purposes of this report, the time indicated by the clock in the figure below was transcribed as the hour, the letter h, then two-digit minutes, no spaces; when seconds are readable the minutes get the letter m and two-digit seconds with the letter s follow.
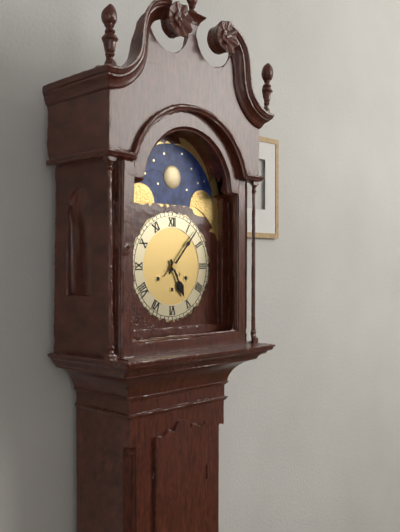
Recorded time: 5h07
